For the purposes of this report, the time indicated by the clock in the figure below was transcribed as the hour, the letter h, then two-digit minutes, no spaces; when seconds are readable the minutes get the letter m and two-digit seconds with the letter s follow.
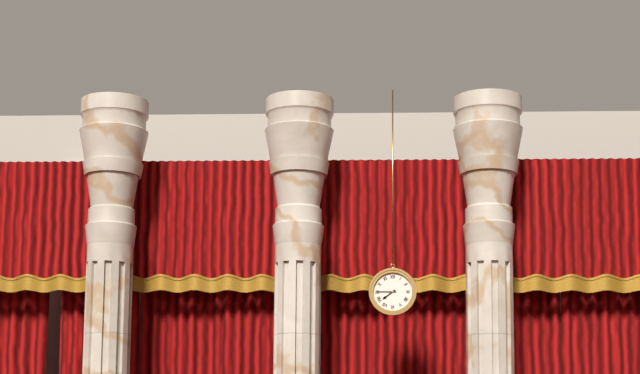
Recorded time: 7h45
